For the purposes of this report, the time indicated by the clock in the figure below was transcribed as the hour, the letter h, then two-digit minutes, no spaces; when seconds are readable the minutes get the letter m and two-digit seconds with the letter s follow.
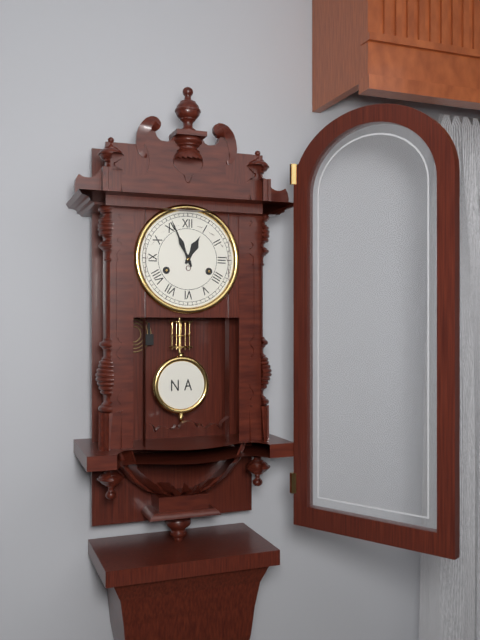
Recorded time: 12h56
